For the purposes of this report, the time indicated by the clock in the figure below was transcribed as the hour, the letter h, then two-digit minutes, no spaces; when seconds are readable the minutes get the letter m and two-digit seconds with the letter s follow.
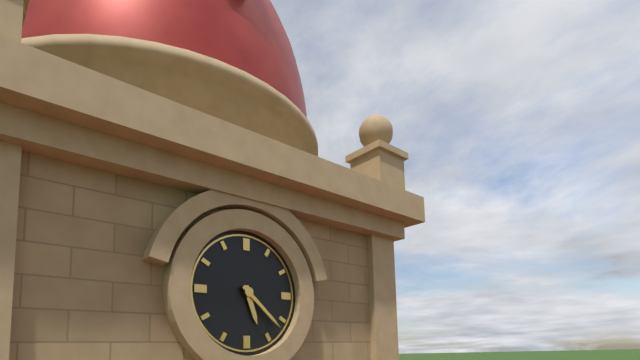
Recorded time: 5h22
